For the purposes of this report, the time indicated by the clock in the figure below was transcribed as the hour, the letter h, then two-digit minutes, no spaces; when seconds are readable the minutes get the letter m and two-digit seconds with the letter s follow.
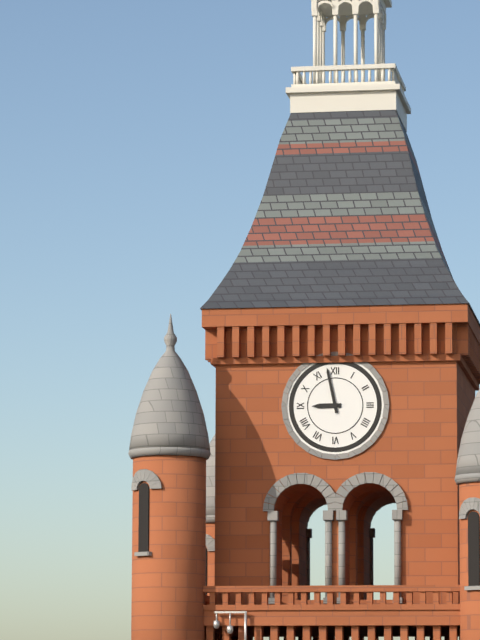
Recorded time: 8h58
